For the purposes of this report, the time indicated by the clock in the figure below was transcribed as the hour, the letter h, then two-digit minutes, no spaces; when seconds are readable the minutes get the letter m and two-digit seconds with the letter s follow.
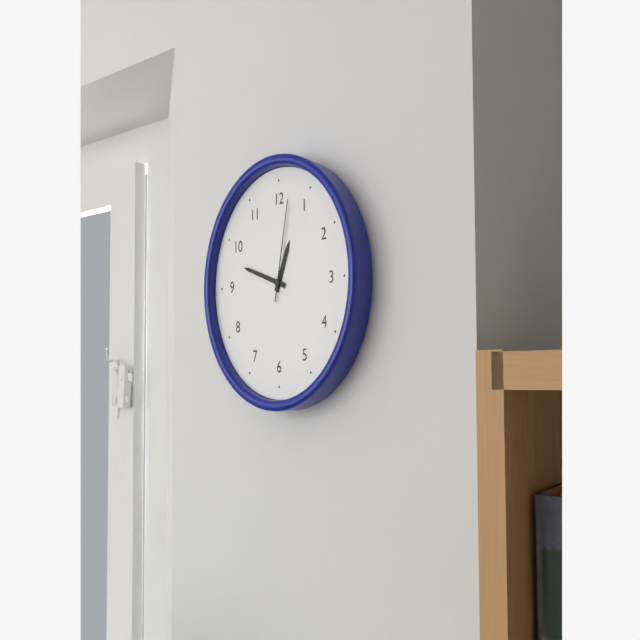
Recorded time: 12h48m02s
